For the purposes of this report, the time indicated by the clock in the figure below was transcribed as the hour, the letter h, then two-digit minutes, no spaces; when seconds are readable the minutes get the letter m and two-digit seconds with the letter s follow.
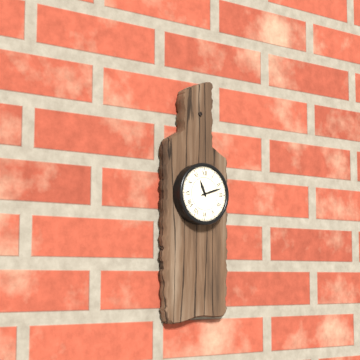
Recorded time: 11h12
